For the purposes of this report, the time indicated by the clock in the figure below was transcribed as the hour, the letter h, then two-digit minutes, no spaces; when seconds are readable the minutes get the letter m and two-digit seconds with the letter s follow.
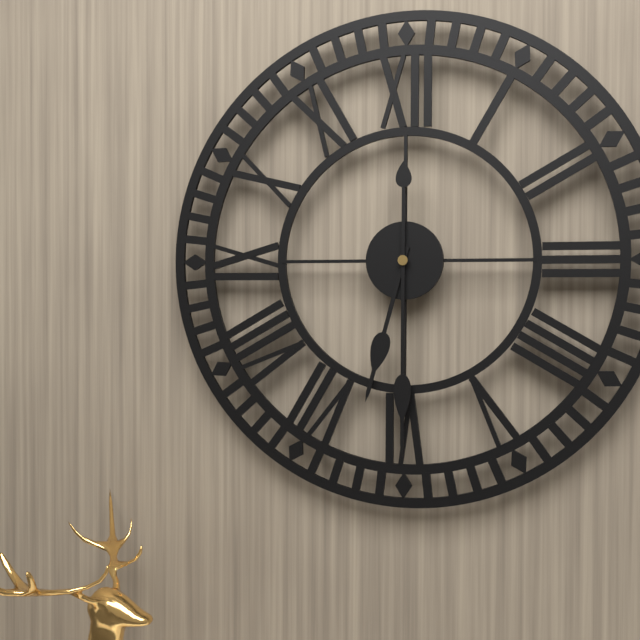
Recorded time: 6h30
